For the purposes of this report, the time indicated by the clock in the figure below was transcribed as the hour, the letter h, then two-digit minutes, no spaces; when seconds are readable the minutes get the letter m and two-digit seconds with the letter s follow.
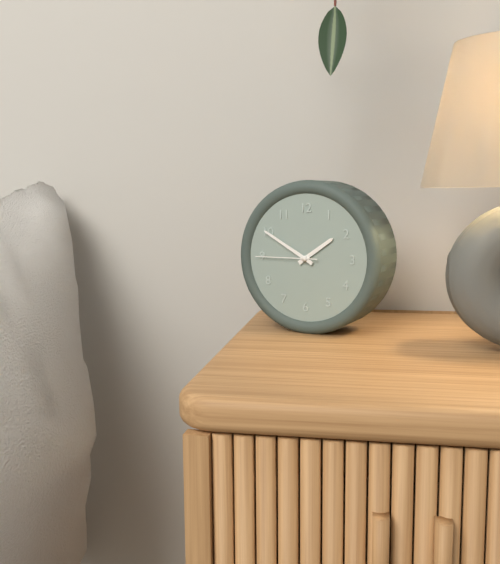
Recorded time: 1h50m45s
